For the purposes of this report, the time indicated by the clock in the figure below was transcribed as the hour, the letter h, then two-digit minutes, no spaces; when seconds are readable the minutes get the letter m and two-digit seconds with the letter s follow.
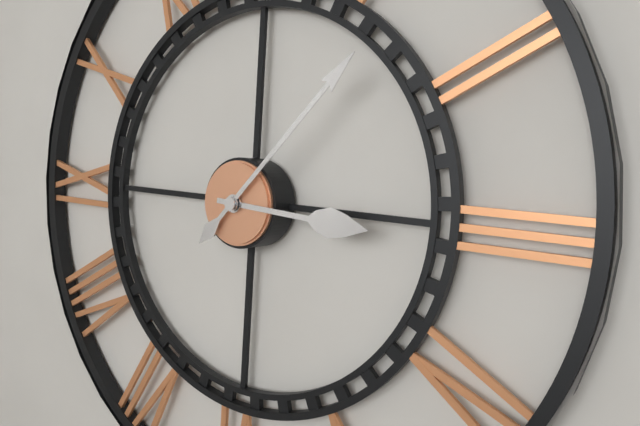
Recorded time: 3h07
